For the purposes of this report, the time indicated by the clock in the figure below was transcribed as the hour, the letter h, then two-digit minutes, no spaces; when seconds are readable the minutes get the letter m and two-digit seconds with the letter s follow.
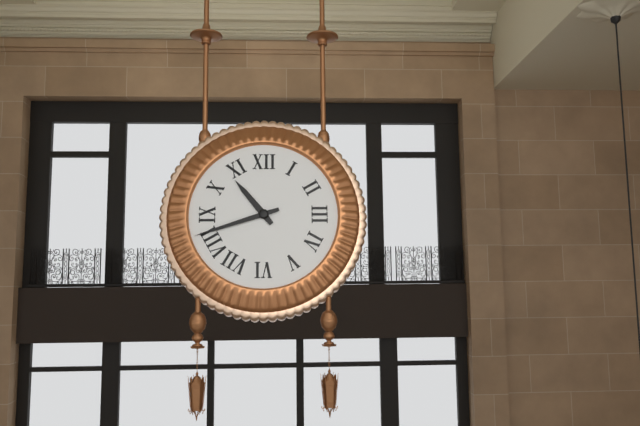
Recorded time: 10h42
